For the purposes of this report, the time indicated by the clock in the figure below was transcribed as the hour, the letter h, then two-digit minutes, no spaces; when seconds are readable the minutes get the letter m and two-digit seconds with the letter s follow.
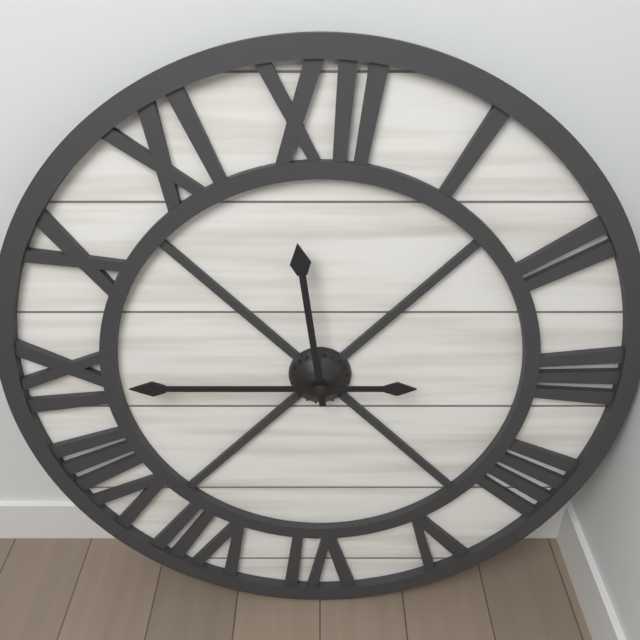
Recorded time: 11h45
